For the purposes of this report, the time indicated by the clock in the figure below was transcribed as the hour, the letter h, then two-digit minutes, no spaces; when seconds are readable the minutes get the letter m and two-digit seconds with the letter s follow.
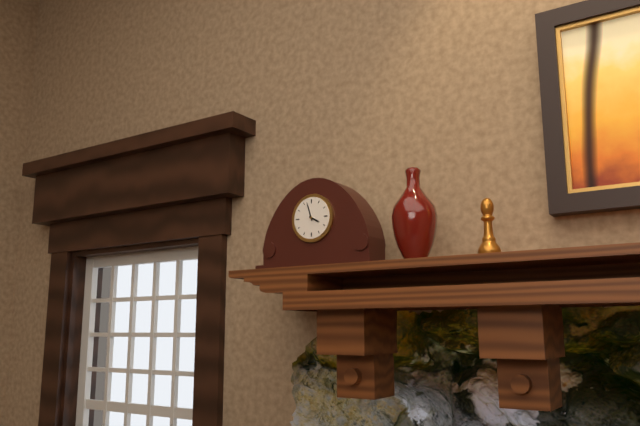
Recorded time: 3h57
